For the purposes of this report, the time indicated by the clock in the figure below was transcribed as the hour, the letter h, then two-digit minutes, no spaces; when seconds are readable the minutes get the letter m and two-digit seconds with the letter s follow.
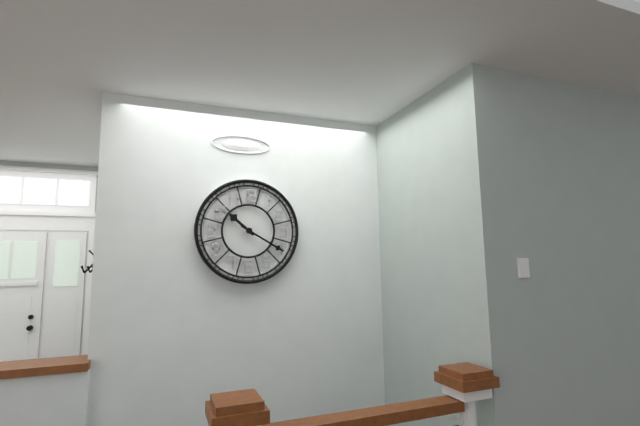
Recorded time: 10h20
